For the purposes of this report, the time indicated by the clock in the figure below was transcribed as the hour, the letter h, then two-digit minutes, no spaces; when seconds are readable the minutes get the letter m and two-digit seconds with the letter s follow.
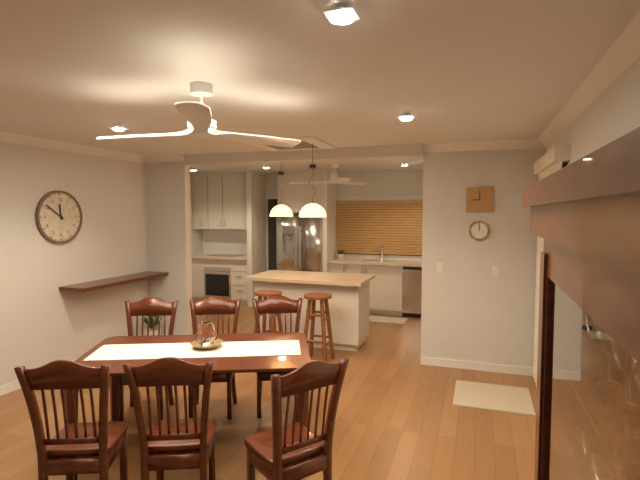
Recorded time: 11h51
